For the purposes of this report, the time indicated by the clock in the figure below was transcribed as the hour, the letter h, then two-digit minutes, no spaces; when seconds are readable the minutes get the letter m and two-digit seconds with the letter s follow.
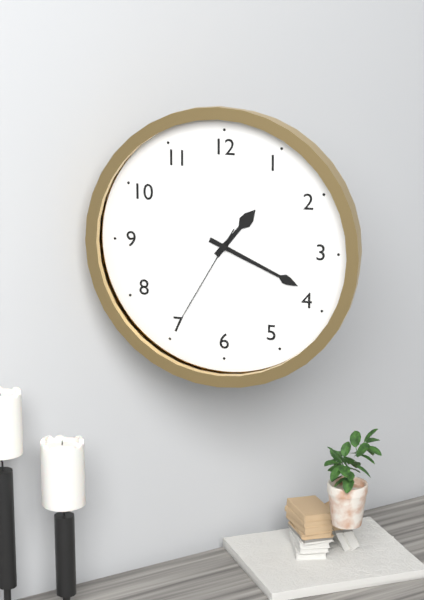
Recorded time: 1h19m35s
